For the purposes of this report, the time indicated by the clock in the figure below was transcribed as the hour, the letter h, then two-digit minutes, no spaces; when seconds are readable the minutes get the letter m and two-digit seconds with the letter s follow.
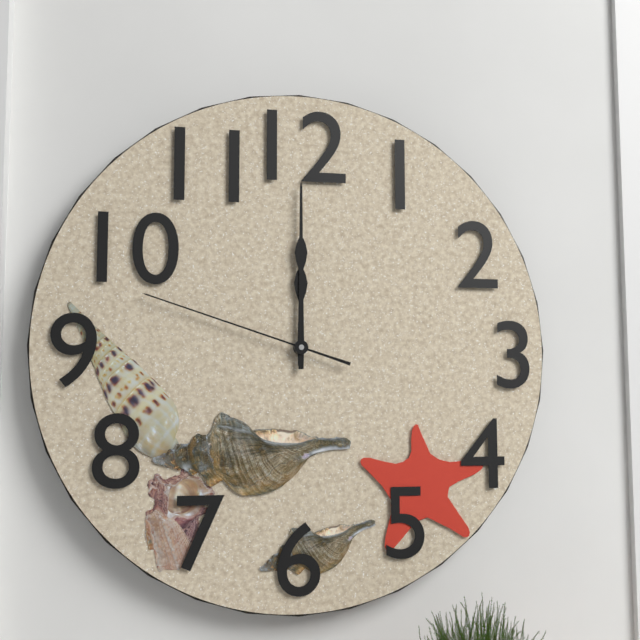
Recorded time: 12h00m48s
